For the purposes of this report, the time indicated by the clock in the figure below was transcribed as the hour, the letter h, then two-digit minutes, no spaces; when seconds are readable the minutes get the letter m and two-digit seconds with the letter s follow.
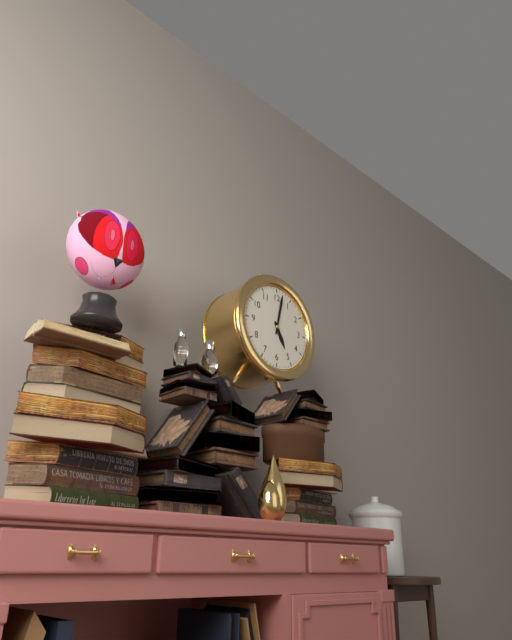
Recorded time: 5h02
